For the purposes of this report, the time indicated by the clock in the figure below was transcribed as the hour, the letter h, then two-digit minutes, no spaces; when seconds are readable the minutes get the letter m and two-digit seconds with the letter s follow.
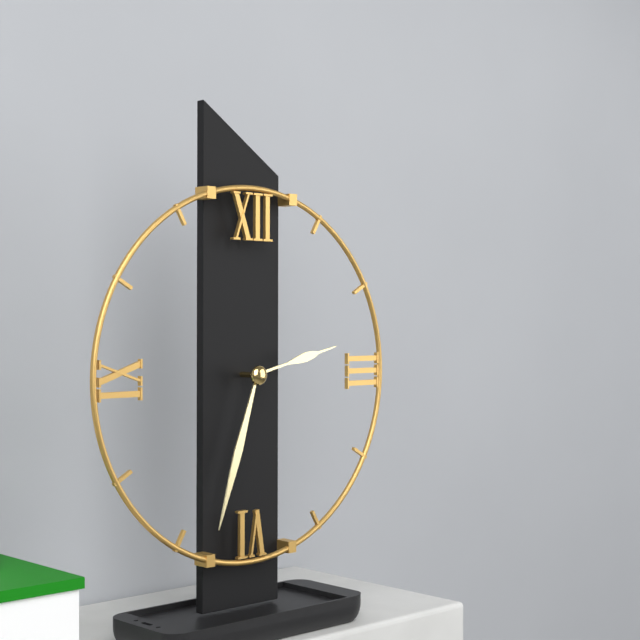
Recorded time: 2h33
